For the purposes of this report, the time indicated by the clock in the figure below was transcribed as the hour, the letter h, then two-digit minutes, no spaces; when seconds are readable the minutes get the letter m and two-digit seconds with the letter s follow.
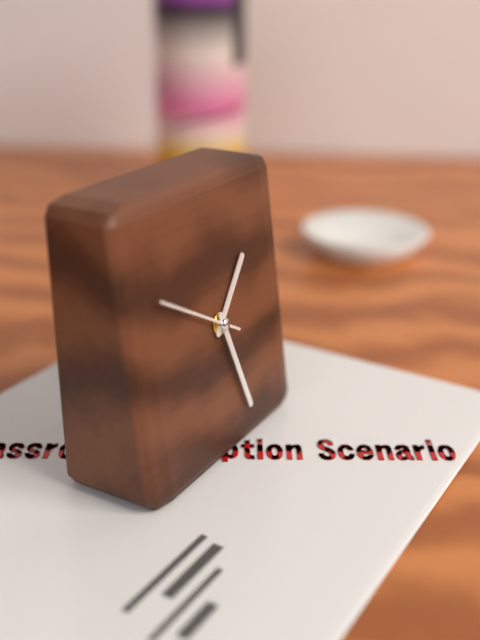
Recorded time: 1h27m50s
